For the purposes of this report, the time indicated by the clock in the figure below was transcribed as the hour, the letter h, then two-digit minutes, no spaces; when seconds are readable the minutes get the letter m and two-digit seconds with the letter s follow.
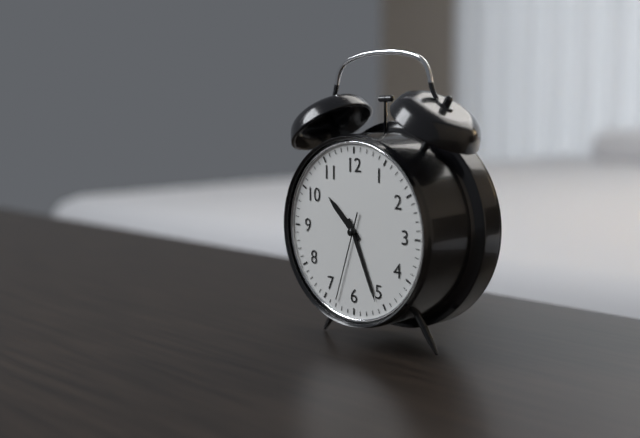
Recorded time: 10h26m33s
